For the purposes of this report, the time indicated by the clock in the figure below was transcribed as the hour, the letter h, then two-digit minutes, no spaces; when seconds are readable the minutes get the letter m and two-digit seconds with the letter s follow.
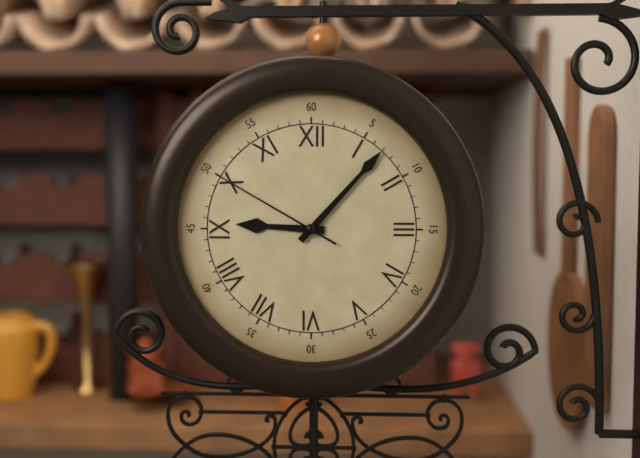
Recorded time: 9h07m50s
